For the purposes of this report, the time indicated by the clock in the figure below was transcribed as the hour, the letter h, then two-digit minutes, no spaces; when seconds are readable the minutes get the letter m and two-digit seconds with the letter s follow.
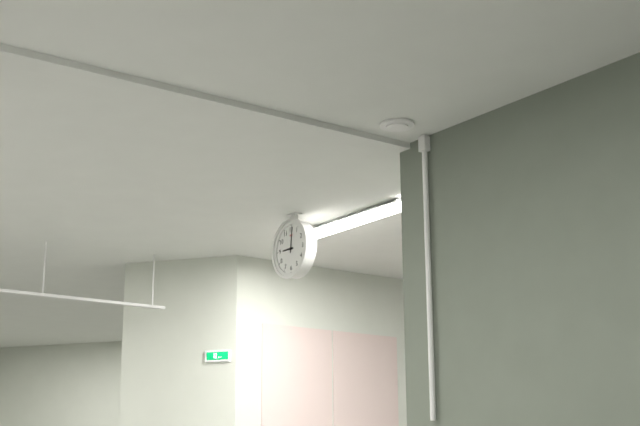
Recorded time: 9h01
